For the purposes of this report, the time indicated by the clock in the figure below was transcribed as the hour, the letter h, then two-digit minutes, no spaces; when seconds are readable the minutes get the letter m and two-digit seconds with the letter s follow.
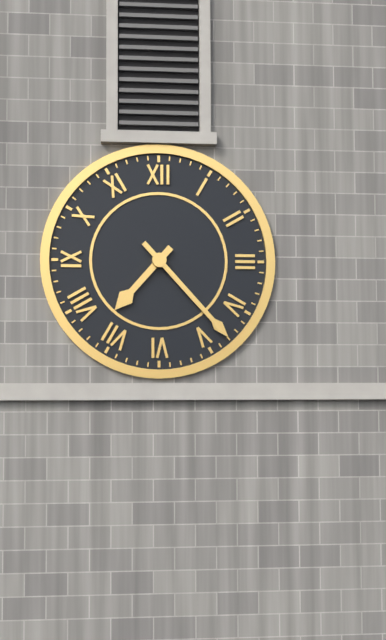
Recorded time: 7h23
